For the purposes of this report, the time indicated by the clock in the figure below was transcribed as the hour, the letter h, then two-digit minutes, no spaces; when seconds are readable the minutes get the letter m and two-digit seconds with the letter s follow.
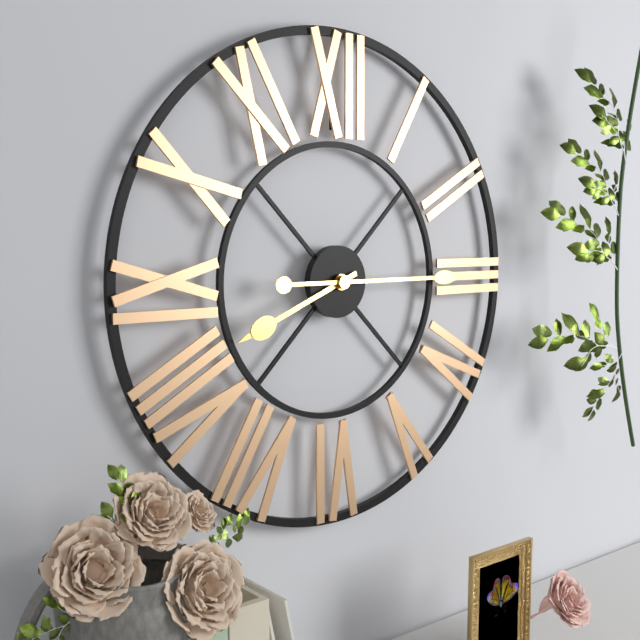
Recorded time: 8h15
